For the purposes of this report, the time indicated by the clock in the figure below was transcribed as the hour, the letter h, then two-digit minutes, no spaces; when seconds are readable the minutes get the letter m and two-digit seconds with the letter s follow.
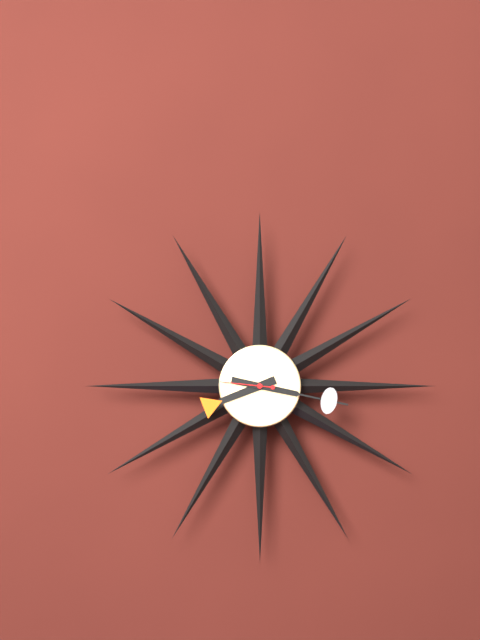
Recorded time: 8h17
